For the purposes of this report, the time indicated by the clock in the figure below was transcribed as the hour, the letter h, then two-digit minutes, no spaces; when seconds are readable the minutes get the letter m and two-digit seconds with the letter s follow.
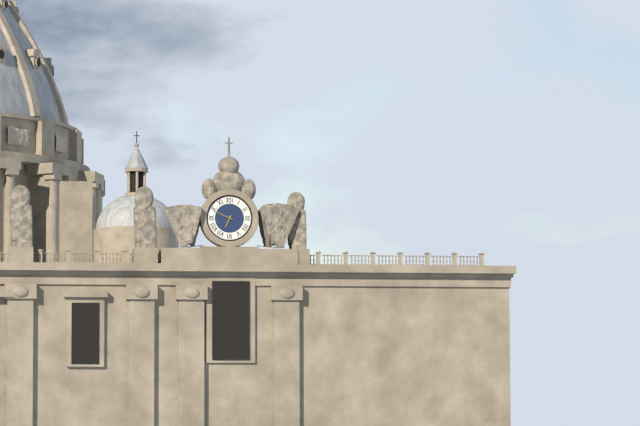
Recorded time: 6h49
